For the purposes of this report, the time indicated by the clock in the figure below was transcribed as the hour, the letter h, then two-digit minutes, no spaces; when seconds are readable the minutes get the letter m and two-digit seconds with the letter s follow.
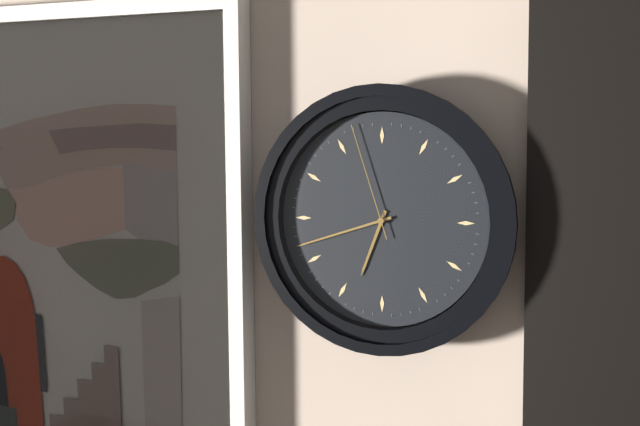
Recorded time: 6h42m57s
